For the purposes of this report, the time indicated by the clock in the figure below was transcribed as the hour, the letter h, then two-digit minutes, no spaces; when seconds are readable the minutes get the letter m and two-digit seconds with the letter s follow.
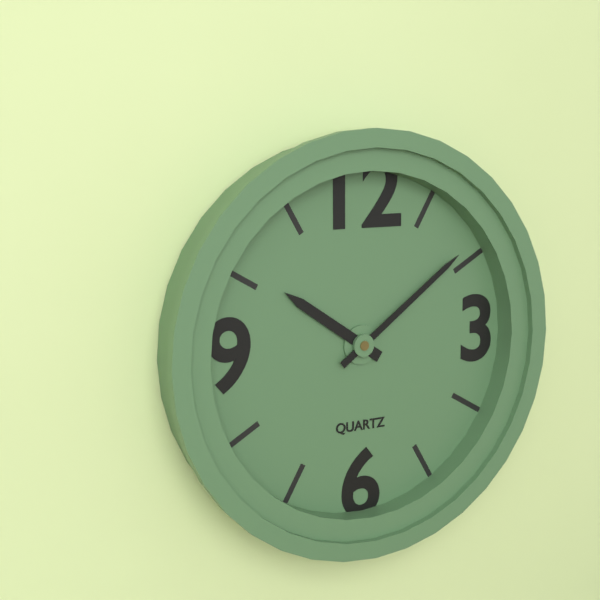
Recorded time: 10h09
